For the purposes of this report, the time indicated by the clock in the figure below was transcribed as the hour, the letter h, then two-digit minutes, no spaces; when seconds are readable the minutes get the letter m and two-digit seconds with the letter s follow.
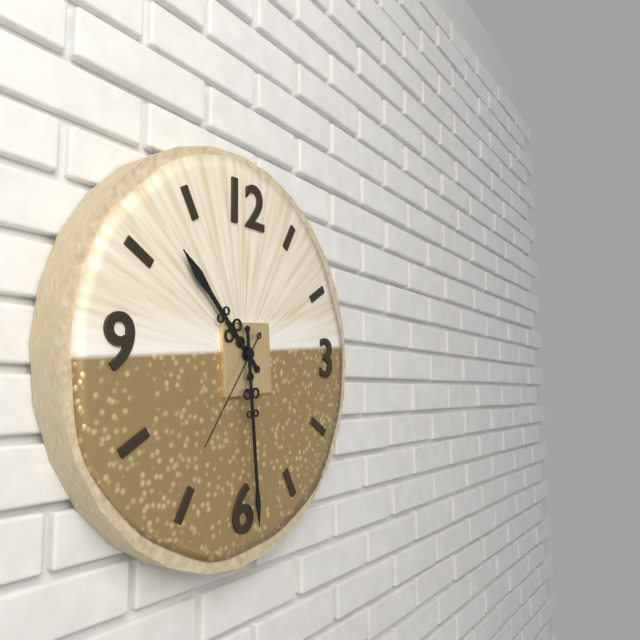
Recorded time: 10h29m36s
